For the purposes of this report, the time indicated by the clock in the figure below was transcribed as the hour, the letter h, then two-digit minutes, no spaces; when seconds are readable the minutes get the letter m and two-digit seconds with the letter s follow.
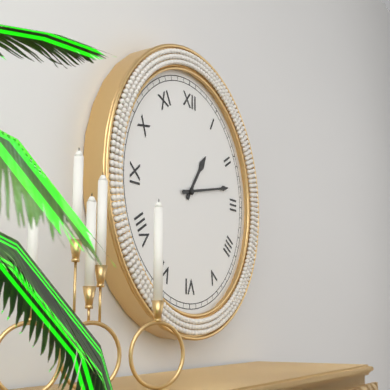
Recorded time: 1h13
